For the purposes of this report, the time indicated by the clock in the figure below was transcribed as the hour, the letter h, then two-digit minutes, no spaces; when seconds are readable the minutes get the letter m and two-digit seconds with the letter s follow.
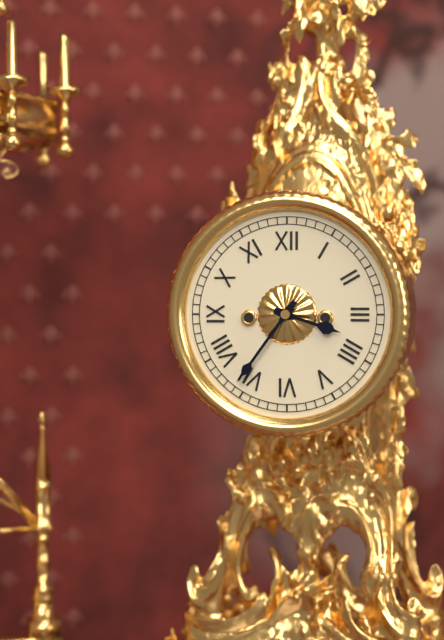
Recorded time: 3h36
